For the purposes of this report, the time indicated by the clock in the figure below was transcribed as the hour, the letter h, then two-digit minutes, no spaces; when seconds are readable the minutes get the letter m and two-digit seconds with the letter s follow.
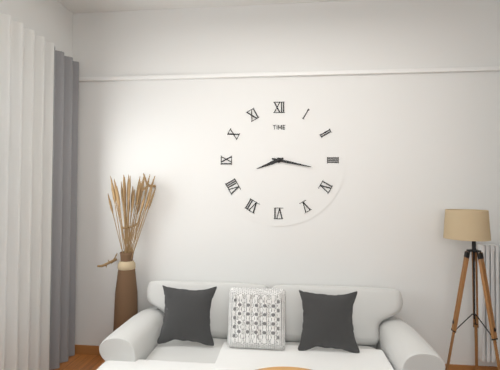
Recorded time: 8h17
